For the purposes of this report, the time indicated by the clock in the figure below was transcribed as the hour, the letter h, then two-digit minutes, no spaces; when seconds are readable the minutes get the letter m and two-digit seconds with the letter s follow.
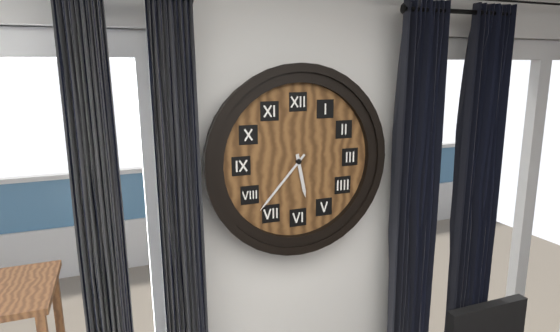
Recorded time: 5h37
